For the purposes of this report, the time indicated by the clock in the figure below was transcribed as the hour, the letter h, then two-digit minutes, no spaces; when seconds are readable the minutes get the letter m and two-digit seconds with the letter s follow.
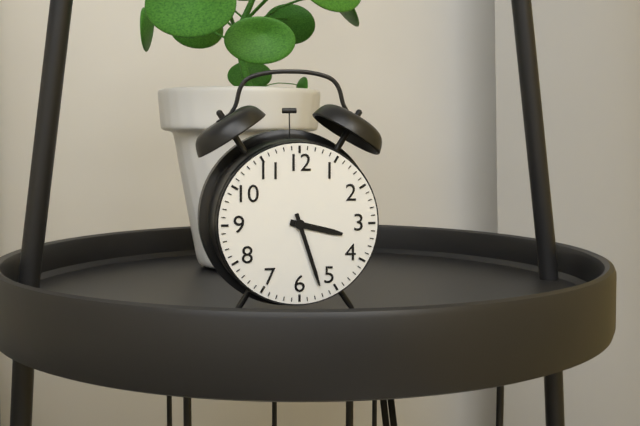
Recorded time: 3h27
